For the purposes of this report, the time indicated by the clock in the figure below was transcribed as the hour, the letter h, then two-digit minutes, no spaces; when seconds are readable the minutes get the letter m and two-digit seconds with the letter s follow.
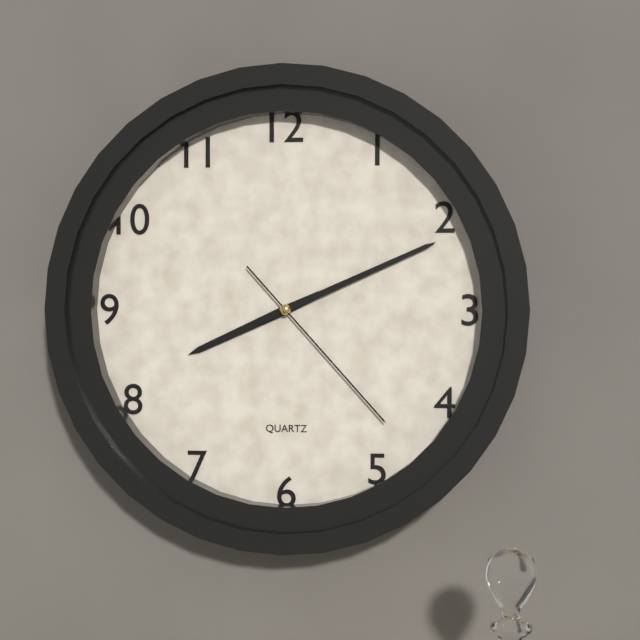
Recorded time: 8h11m23s
